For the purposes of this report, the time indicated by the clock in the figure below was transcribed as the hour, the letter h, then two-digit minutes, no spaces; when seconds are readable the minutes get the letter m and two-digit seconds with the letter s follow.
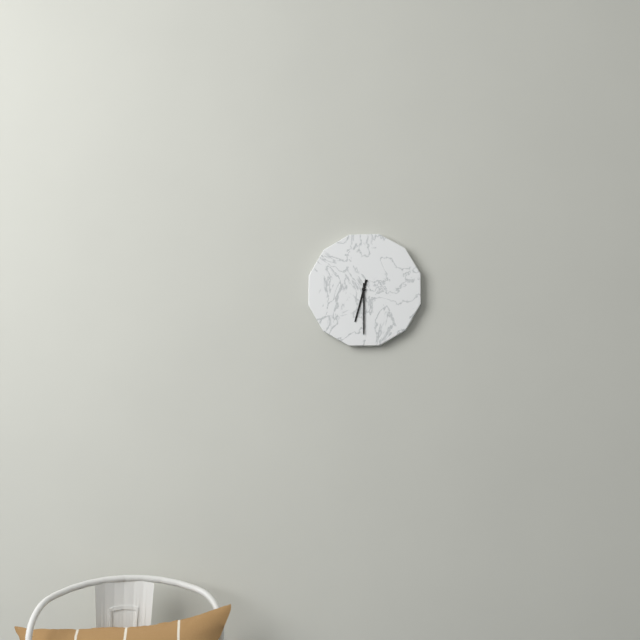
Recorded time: 6h30
